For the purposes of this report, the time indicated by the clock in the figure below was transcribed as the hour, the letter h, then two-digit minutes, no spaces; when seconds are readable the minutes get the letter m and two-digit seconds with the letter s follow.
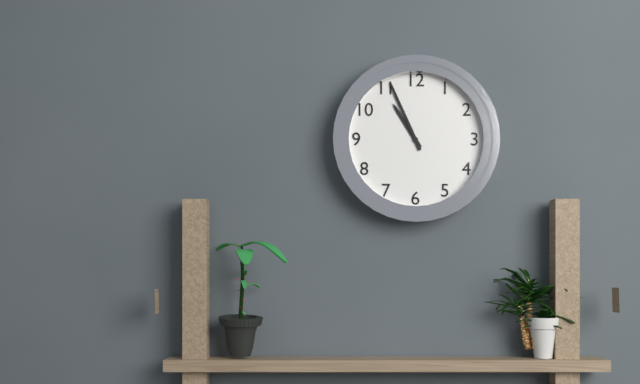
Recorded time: 10h56
